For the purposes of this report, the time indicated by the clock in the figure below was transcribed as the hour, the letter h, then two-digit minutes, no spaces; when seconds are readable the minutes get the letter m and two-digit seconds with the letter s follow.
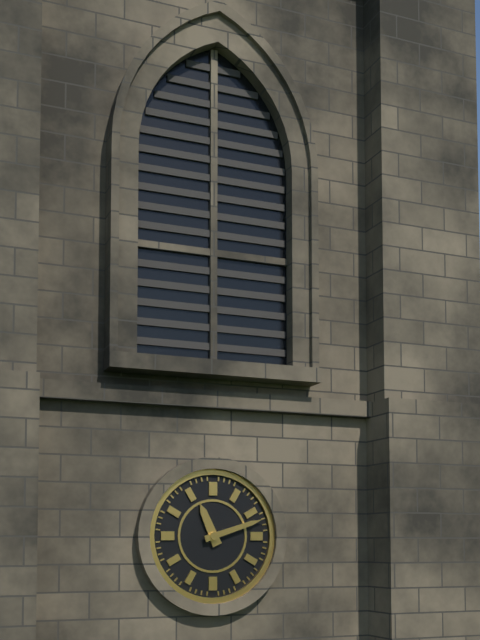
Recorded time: 11h12
